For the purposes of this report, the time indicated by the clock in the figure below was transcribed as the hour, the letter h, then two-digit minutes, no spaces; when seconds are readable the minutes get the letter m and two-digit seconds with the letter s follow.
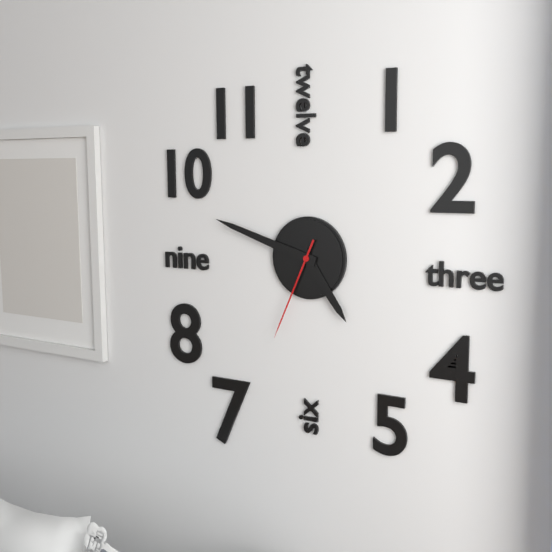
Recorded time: 4h48m34s
